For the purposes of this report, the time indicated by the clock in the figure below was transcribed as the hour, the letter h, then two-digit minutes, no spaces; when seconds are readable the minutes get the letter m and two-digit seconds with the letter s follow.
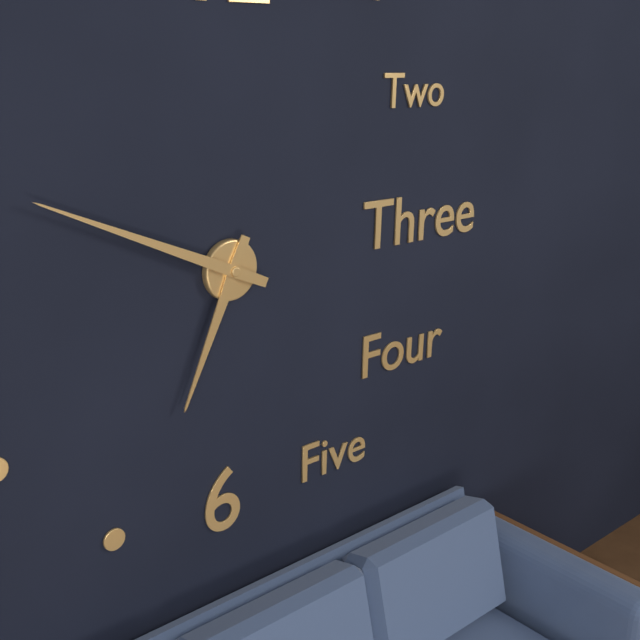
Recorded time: 6h49
